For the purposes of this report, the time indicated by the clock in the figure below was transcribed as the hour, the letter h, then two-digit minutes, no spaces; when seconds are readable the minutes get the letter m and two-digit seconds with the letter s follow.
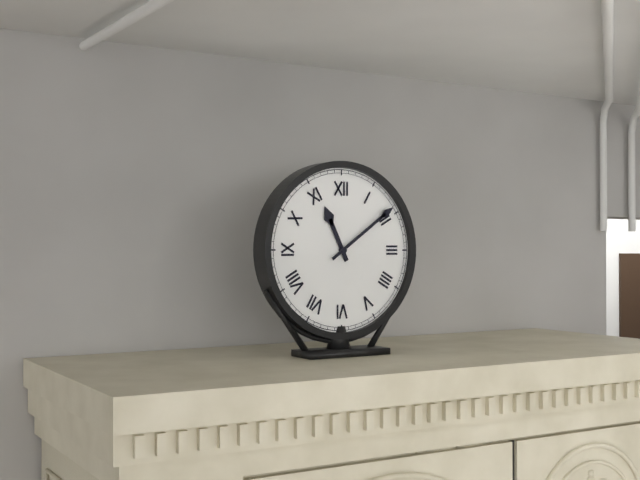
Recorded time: 11h09
